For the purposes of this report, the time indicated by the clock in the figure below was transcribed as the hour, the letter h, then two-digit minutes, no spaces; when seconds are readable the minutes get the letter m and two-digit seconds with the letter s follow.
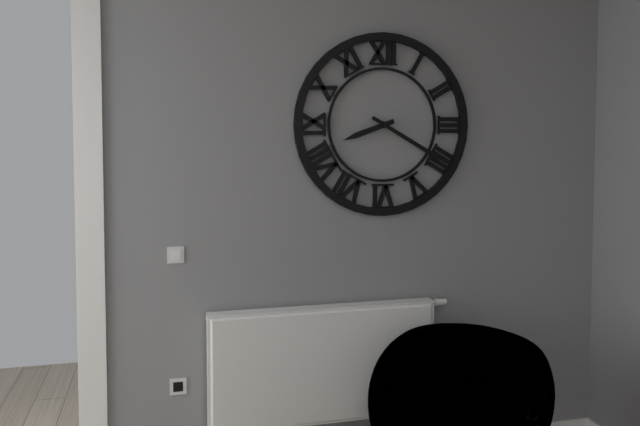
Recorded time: 8h20
